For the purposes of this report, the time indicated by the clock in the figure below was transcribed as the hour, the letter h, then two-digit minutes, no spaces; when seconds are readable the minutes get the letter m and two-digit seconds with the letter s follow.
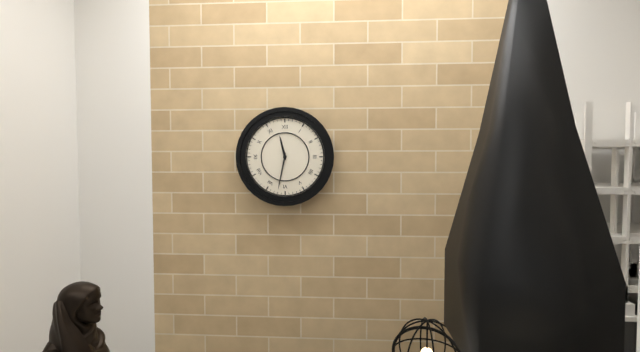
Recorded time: 11h32
